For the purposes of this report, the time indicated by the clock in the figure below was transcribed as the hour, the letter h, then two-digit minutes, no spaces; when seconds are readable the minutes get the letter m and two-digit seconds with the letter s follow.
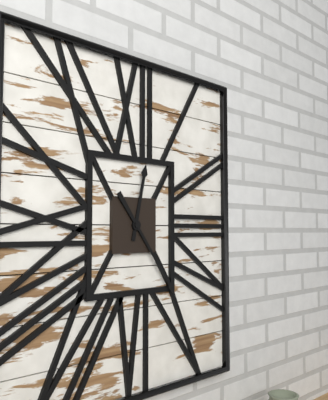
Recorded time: 12h24
